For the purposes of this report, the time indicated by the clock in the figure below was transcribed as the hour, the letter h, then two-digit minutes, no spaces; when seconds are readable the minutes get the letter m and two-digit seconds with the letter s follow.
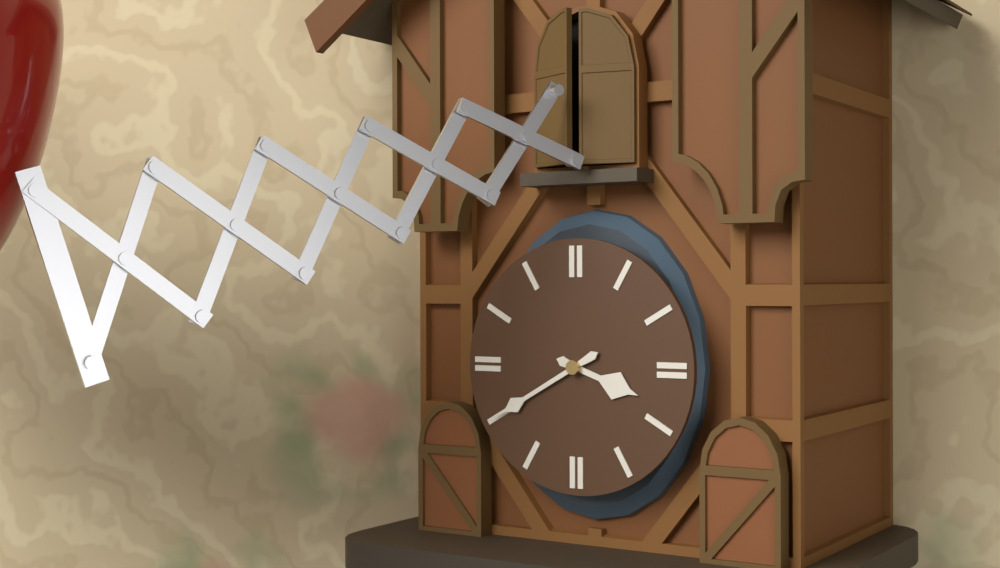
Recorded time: 3h40
